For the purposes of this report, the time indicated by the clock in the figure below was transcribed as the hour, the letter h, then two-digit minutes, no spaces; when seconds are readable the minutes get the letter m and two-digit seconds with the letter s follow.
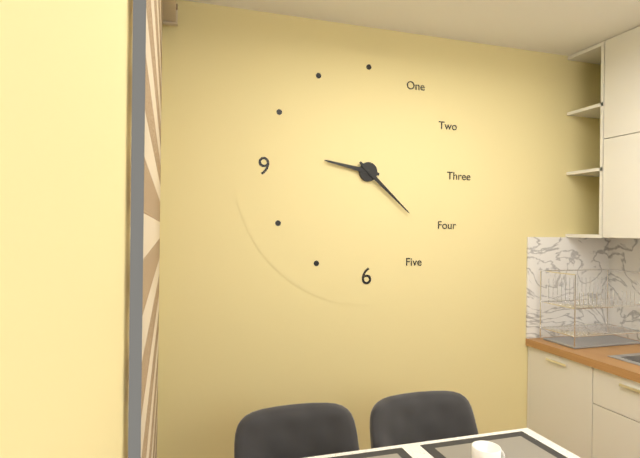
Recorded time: 9h22
